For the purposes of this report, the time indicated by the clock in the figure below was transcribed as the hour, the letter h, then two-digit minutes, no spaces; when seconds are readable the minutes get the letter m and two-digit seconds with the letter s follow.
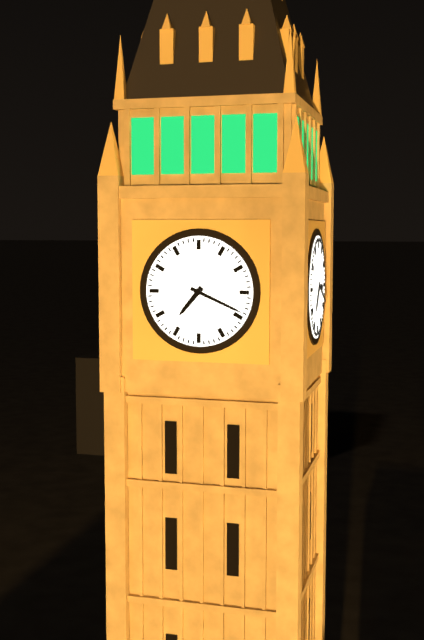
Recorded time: 7h19
